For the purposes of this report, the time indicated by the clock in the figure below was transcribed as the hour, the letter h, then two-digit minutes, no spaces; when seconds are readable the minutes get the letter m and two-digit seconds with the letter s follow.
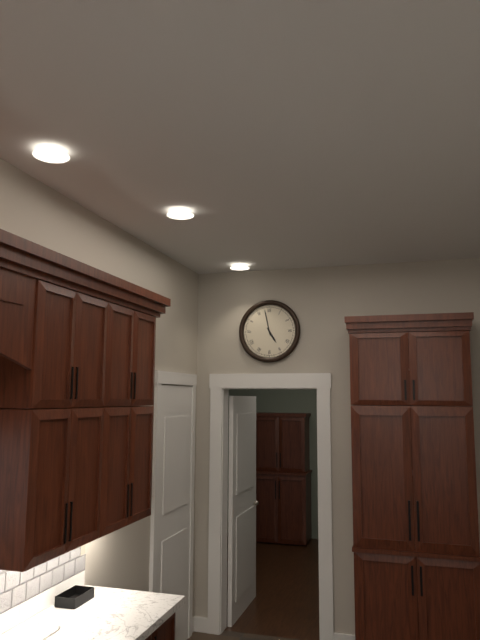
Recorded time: 4h58
